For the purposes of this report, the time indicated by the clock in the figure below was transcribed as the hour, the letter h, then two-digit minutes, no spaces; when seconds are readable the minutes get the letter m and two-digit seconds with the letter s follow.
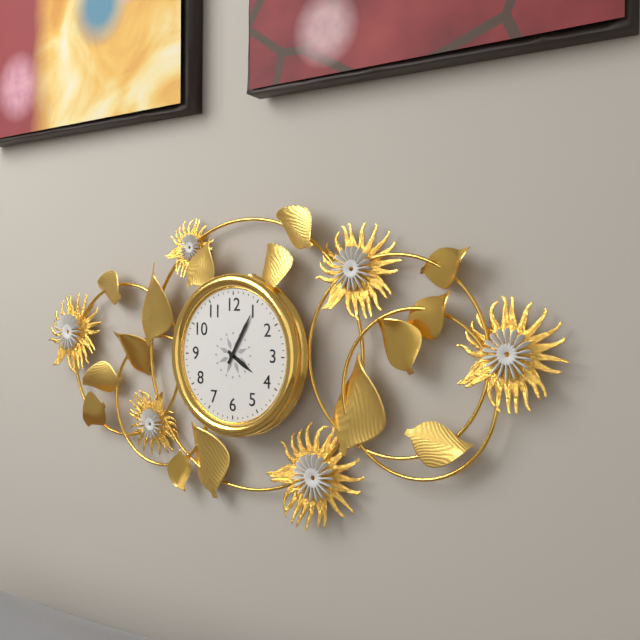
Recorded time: 4h05
